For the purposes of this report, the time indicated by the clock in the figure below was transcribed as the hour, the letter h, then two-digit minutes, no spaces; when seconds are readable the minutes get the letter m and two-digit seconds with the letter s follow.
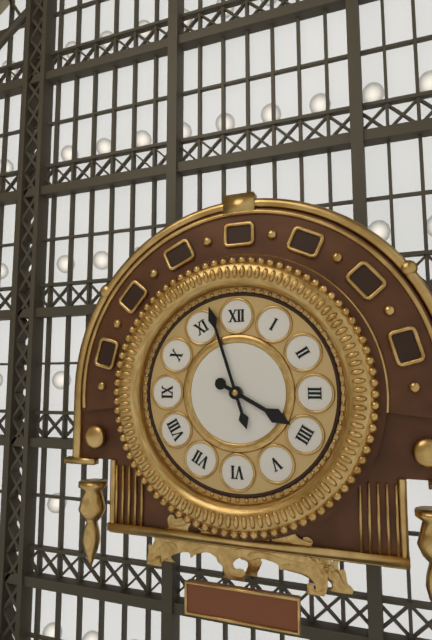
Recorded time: 3h57
